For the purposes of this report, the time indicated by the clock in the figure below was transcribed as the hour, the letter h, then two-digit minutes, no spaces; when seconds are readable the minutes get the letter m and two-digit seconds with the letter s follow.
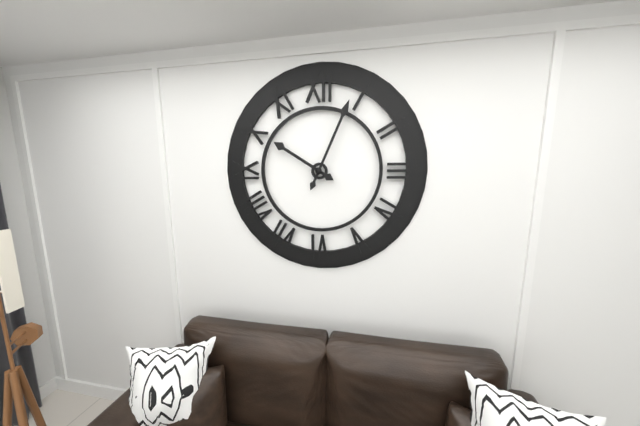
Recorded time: 10h04
